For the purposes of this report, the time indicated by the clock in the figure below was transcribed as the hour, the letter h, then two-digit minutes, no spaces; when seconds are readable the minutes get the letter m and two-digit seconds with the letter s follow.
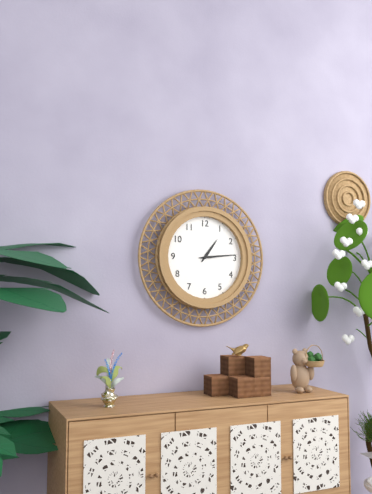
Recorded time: 1h14
